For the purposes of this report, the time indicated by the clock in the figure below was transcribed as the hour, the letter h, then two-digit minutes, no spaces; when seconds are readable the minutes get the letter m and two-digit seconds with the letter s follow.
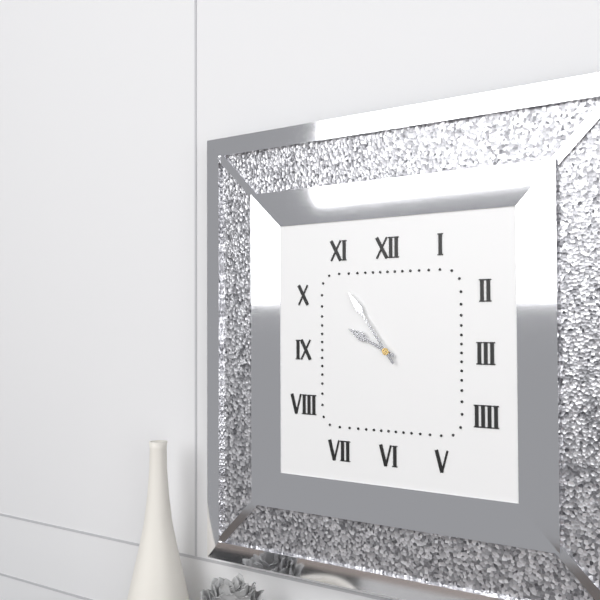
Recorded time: 9h54
